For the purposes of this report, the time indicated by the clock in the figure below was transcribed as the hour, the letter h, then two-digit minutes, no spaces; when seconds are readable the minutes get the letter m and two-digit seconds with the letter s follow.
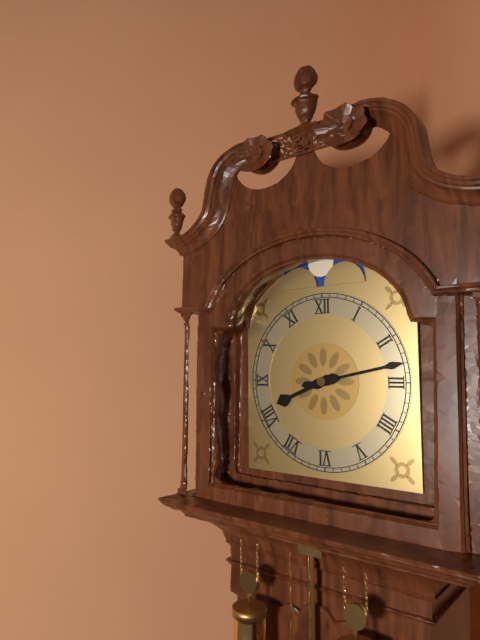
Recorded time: 8h13
